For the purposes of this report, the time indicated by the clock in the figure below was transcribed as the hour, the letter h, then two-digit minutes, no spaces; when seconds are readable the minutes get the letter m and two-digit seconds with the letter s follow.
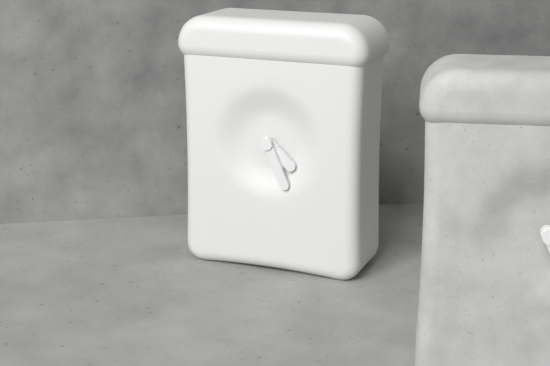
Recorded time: 4h26
